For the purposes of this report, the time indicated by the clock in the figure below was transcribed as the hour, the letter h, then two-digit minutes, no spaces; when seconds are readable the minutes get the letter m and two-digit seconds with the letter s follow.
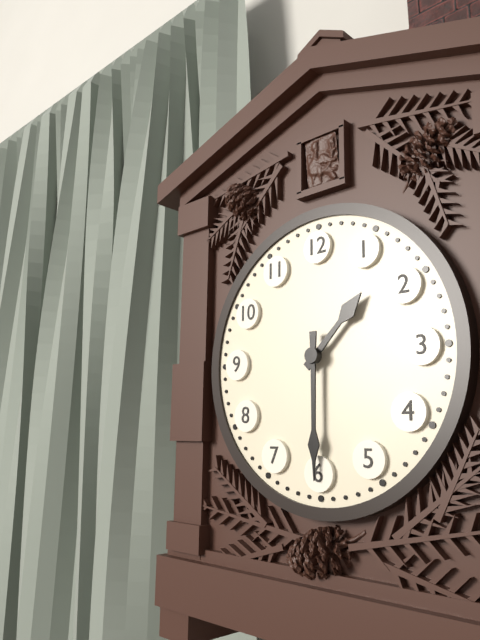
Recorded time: 1h30
